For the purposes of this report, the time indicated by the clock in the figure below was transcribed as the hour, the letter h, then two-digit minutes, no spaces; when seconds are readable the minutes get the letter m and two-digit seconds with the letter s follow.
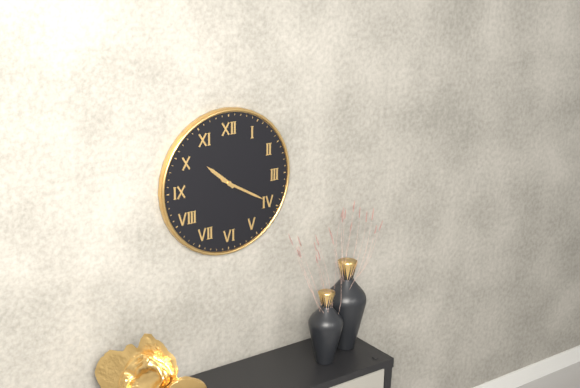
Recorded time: 10h20
